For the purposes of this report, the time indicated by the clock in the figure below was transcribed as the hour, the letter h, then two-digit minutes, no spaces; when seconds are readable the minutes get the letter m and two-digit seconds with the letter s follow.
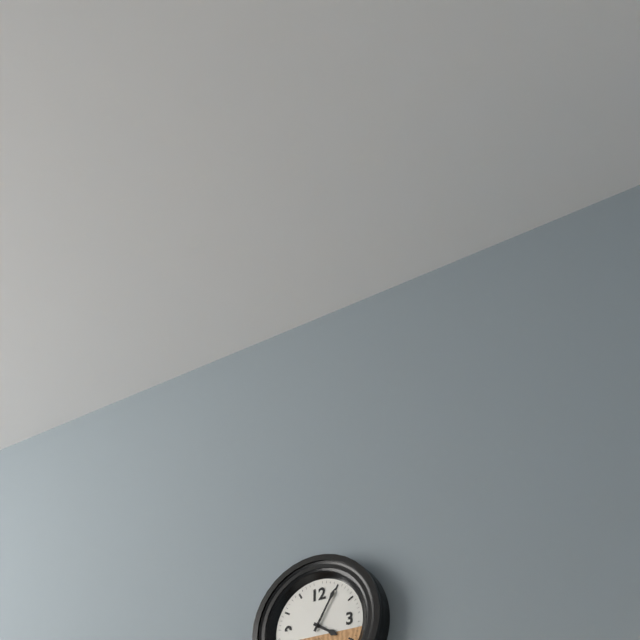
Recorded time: 4h05
